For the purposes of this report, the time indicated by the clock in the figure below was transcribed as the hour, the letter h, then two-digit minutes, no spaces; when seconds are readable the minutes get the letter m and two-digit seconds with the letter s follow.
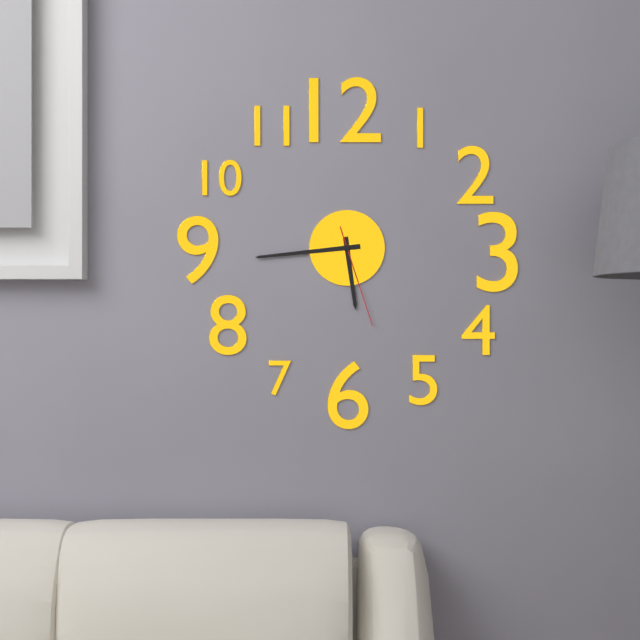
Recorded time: 5h44m27s
